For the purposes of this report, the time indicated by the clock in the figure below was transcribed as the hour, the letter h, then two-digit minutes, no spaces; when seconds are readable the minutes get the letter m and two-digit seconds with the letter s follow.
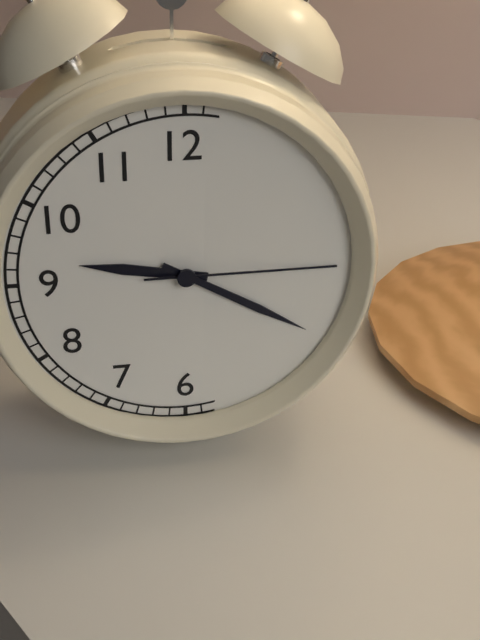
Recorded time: 9h20m15s
